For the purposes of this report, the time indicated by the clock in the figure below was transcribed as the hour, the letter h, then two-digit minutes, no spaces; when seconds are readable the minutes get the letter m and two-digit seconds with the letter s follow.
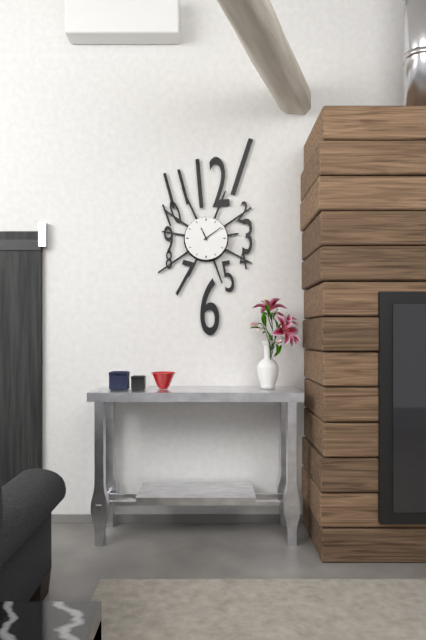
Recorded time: 11h09
